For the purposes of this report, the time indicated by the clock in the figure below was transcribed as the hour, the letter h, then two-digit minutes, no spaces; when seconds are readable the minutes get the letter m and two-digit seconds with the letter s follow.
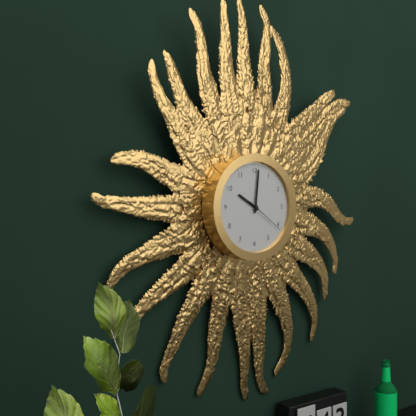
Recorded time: 10h01
